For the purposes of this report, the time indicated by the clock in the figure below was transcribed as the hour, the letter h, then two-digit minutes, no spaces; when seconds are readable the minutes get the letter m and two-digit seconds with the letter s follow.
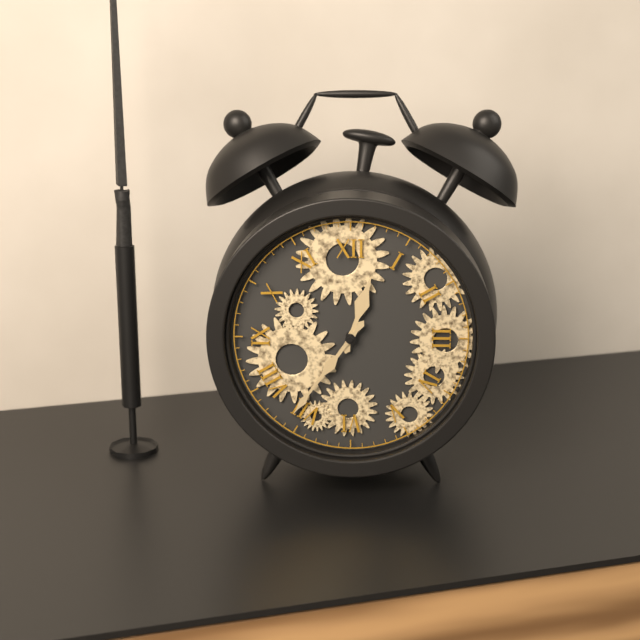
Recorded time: 12h36
